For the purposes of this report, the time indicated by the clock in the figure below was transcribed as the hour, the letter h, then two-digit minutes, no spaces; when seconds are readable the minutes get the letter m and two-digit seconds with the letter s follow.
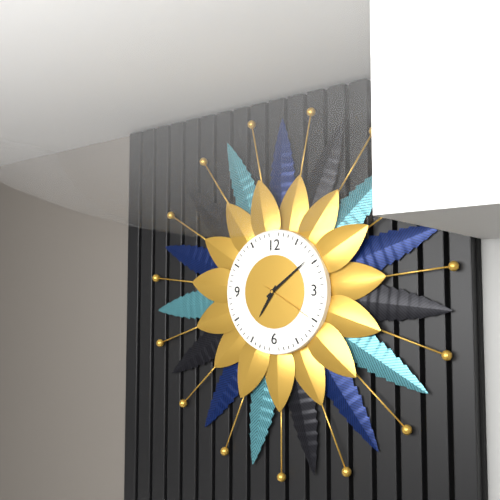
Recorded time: 7h09m20s
